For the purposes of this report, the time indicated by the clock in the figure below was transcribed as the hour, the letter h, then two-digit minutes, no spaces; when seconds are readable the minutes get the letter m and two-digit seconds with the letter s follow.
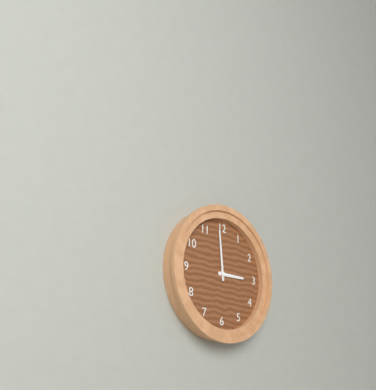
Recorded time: 2h59
